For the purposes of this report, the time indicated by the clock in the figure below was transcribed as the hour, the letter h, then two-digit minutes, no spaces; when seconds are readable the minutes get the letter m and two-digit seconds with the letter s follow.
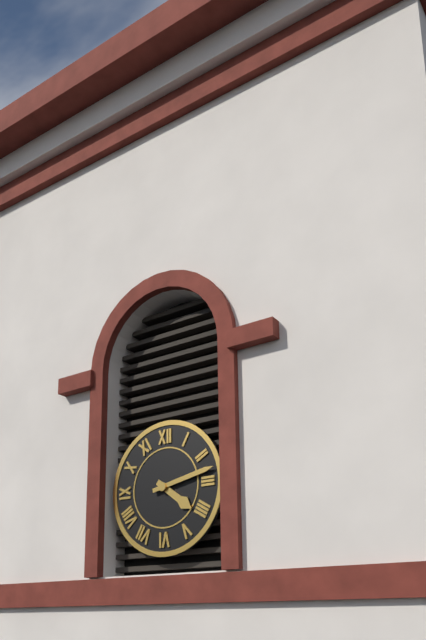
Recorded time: 4h13
